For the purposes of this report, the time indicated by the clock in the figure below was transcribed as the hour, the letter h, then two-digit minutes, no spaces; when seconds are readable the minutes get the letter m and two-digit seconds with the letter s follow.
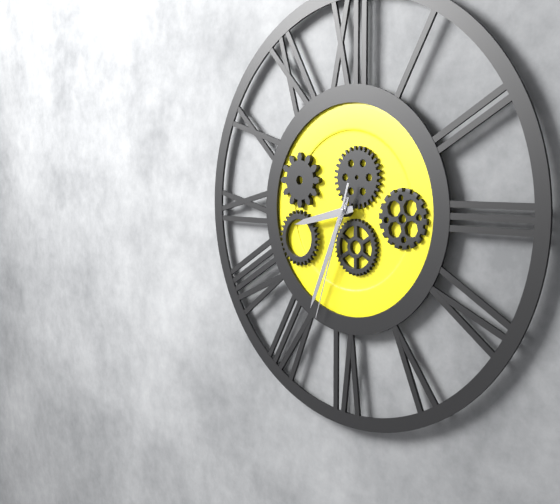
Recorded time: 8h34m33s
